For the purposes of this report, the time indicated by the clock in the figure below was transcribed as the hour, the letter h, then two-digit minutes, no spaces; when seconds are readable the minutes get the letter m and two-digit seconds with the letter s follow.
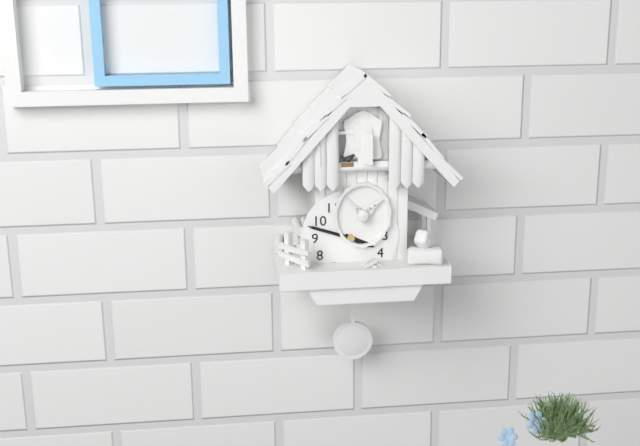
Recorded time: 3h48
